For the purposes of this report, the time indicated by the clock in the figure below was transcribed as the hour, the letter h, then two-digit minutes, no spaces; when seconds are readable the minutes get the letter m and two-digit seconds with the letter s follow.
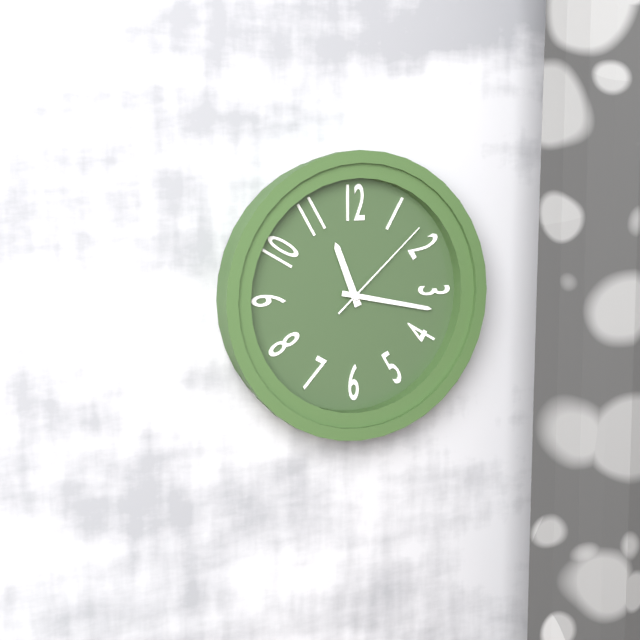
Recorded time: 11h17m08s
